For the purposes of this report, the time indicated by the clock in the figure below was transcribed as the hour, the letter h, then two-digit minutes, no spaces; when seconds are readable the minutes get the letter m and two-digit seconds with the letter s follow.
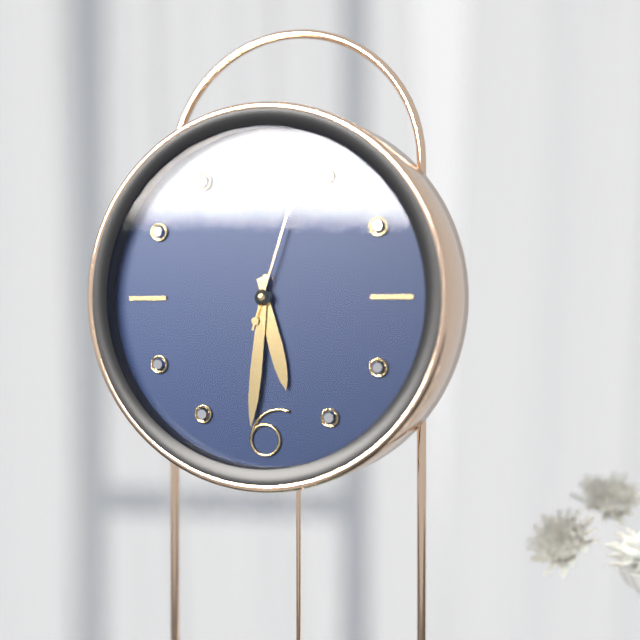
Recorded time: 5h31m03s
